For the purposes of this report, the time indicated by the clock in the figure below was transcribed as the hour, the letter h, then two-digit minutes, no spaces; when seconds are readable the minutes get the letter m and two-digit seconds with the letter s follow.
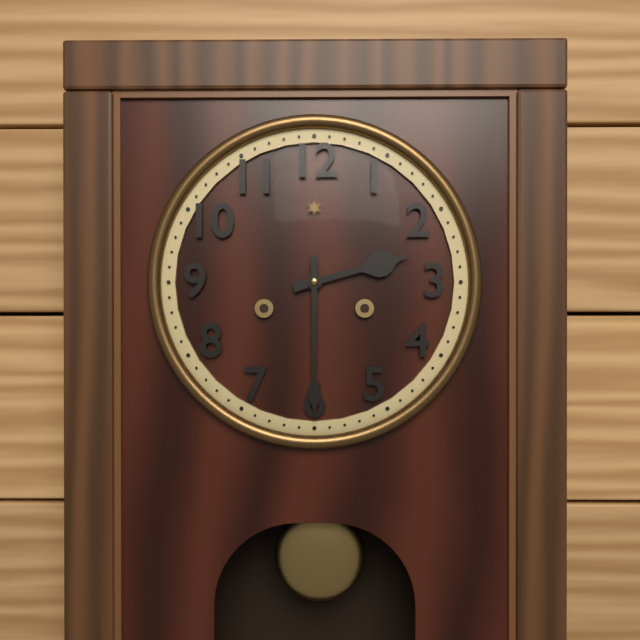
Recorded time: 2h30
